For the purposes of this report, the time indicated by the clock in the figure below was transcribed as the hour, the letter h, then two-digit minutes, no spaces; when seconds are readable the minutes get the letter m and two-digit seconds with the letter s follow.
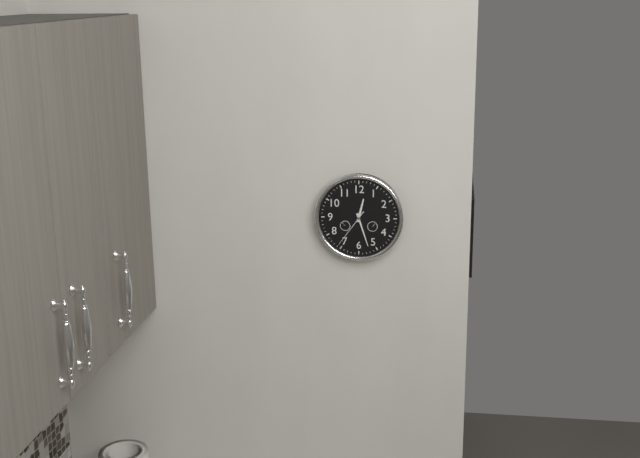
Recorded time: 12h27
